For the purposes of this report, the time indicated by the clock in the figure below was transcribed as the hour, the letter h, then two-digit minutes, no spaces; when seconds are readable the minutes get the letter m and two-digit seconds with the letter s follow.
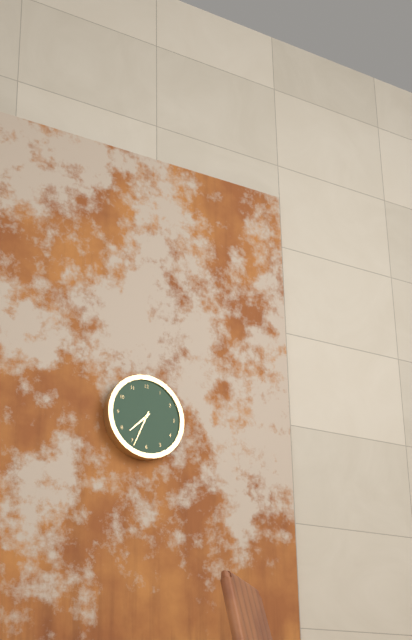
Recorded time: 7h34
